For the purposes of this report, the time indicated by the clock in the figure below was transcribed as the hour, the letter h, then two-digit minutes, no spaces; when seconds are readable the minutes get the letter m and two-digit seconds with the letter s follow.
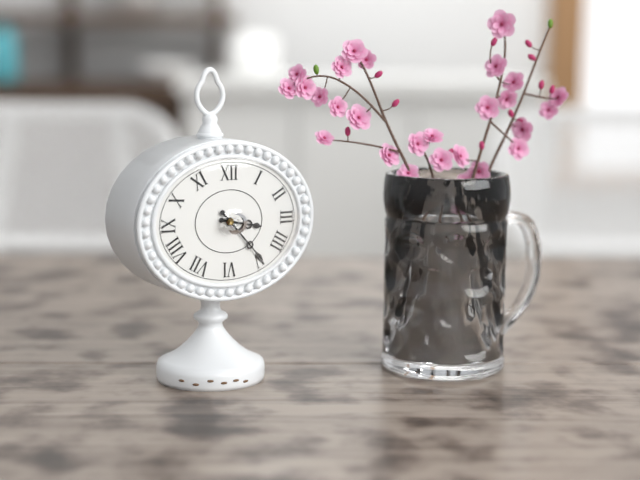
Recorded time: 3h23
